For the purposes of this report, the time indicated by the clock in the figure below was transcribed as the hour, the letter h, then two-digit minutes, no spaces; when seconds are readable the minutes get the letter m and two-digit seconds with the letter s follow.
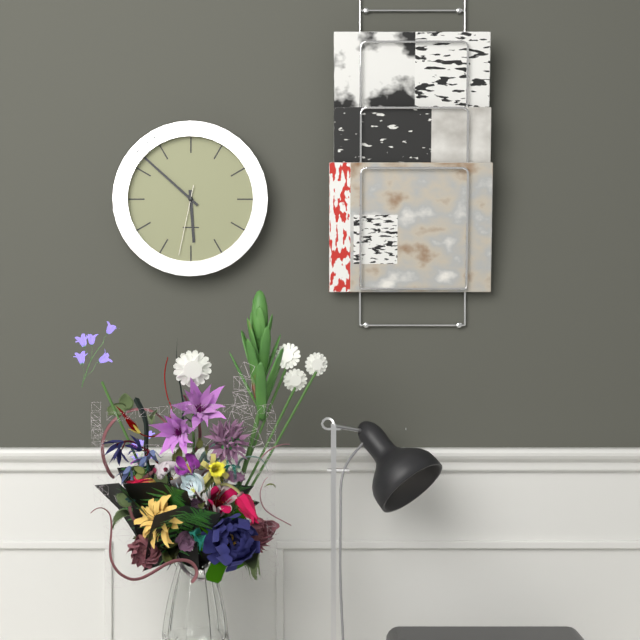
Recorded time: 5h52m32s
